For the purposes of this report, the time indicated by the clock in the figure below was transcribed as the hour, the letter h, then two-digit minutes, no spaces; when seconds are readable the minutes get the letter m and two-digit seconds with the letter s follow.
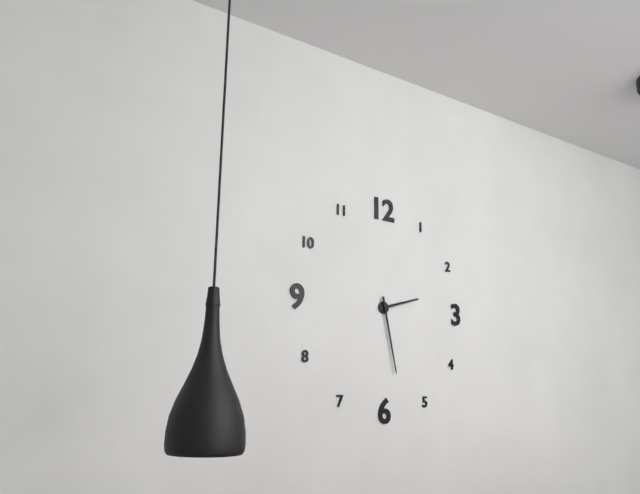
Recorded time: 2h28
